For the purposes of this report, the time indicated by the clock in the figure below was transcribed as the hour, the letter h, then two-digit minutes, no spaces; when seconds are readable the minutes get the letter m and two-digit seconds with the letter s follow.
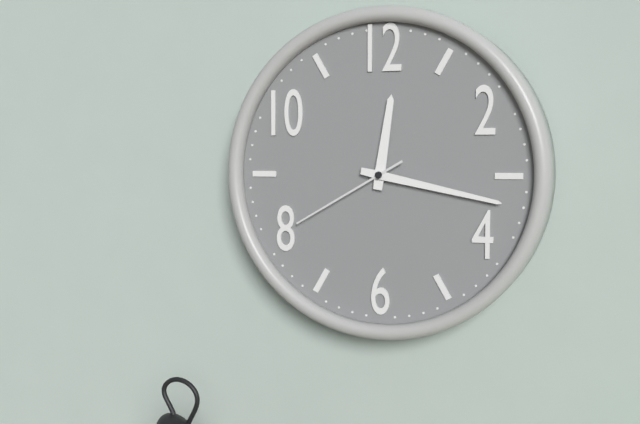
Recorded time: 12h17m40s
